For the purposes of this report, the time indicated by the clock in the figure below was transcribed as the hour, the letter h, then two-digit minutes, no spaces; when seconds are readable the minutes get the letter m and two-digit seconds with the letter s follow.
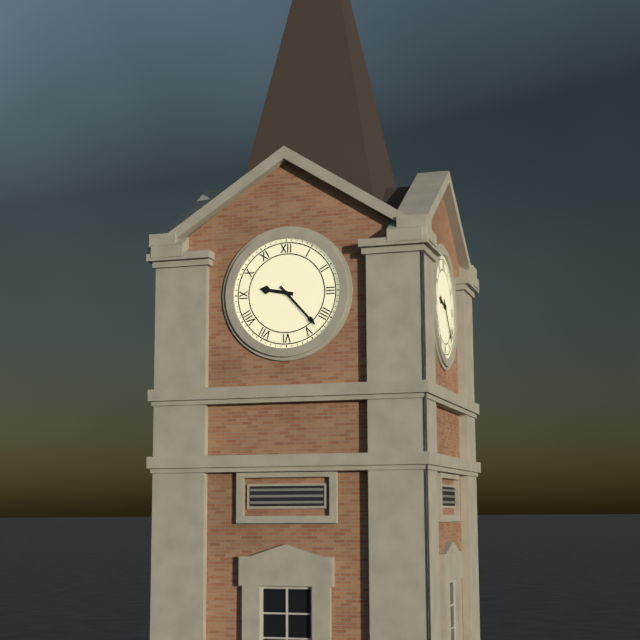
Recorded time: 9h23
